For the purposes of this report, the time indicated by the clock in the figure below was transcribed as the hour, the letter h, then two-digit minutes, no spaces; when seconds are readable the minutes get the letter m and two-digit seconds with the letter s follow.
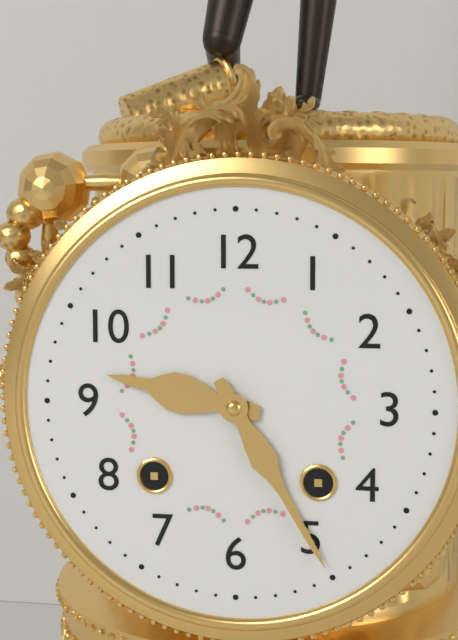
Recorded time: 9h25
